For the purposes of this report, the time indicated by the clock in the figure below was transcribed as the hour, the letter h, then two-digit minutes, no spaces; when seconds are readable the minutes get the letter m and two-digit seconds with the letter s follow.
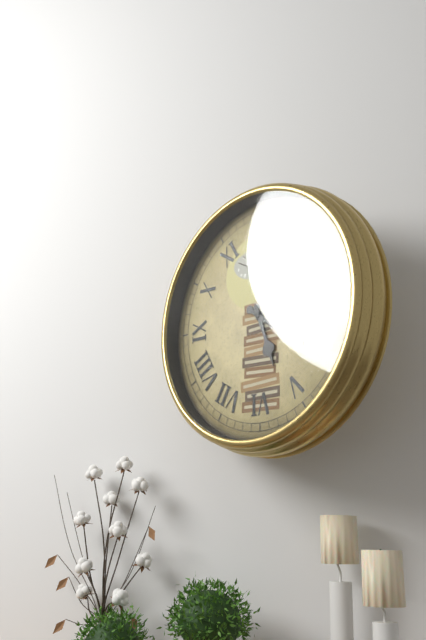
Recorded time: 5h21
